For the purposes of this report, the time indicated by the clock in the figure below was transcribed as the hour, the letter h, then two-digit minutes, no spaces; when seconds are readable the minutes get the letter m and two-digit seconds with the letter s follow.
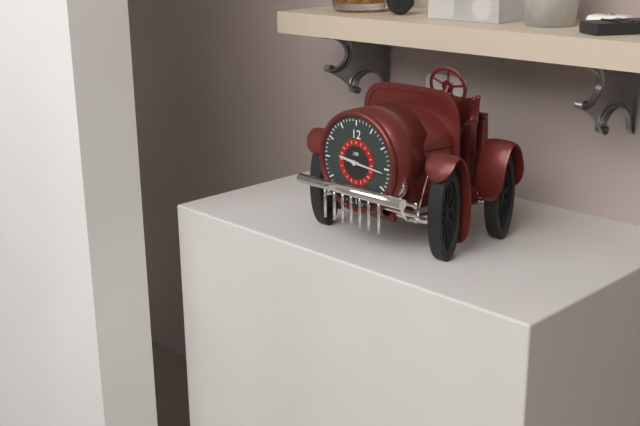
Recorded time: 9h16
